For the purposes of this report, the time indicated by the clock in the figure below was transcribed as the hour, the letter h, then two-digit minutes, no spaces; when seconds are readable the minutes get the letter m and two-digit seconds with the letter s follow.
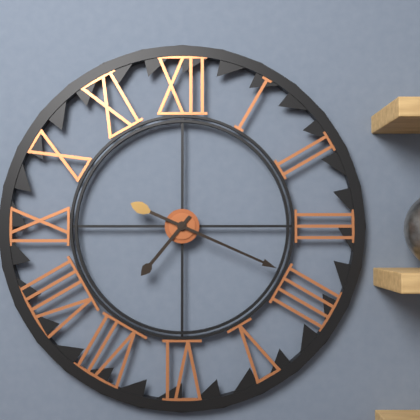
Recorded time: 7h19
